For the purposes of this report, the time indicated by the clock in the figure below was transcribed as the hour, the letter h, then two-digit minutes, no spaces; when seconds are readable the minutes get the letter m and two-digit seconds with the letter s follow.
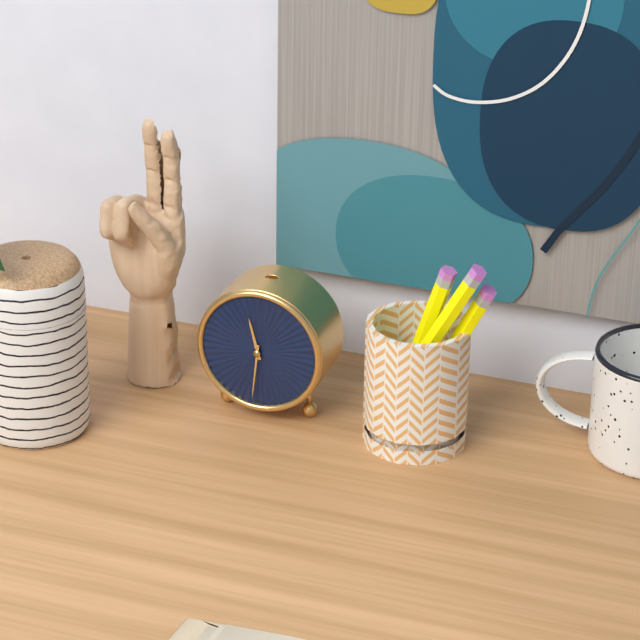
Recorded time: 11h31
